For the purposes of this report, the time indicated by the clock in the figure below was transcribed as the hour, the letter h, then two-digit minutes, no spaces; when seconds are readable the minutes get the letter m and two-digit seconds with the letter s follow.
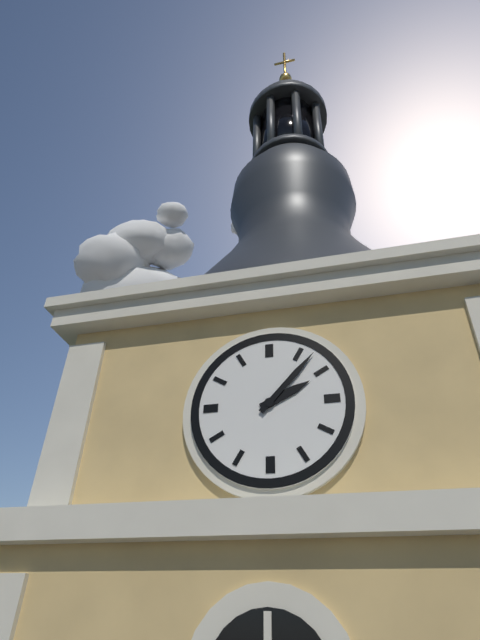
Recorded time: 2h07
